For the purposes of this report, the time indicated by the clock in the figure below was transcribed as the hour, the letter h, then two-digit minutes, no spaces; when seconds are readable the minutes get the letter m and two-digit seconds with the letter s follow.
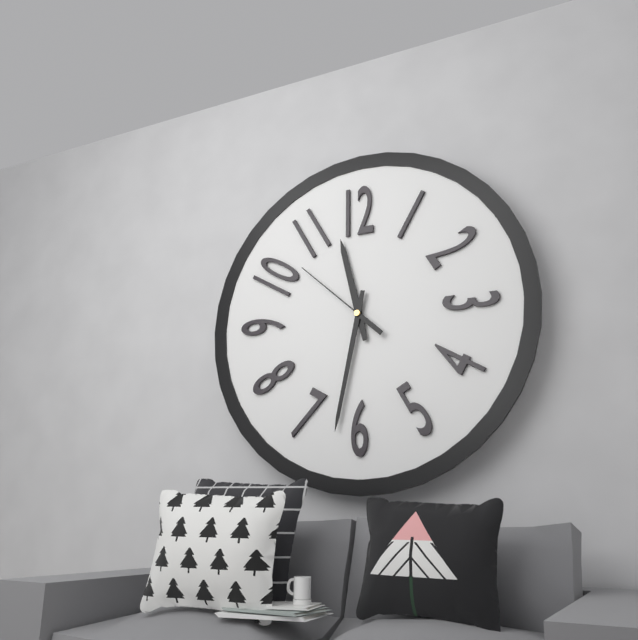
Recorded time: 11h32m52s
